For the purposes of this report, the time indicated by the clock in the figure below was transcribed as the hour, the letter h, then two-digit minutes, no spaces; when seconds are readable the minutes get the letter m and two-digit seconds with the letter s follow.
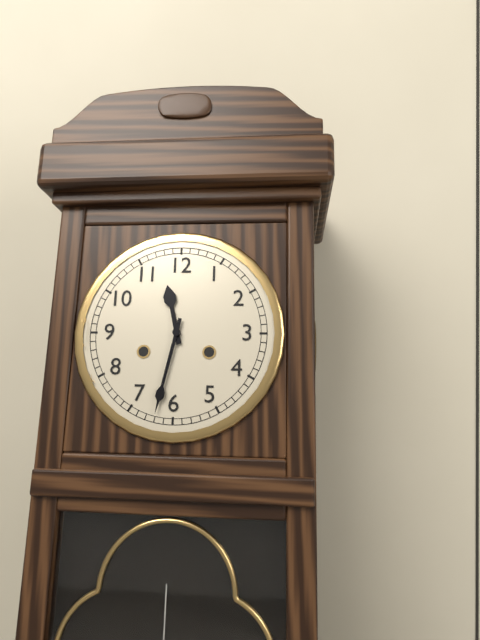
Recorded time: 11h32
